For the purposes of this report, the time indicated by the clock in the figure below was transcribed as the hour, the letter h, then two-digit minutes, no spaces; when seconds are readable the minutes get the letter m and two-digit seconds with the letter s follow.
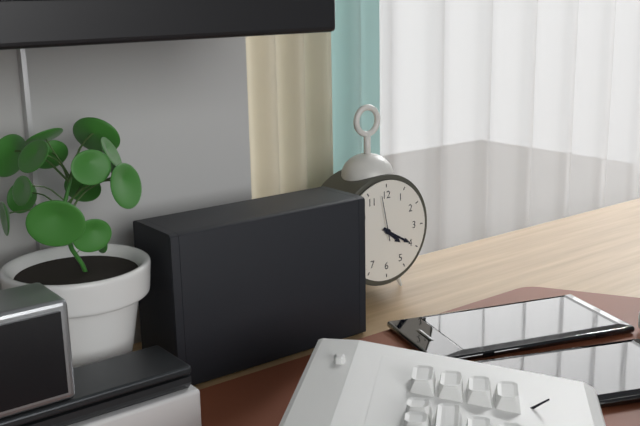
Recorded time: 4h20
